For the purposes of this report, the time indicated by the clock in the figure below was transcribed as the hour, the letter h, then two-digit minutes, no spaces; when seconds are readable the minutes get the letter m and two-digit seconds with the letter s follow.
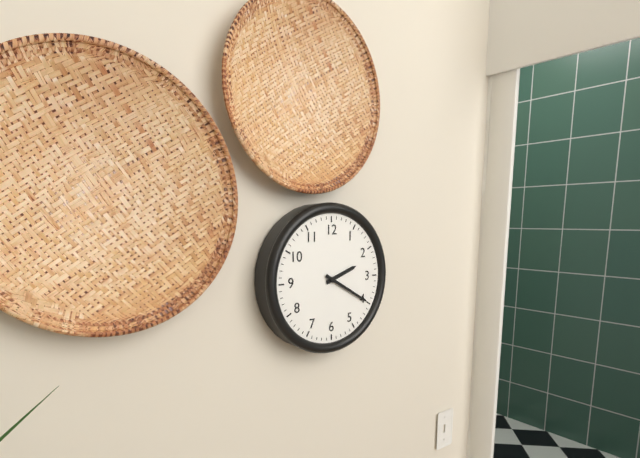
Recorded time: 2h20
